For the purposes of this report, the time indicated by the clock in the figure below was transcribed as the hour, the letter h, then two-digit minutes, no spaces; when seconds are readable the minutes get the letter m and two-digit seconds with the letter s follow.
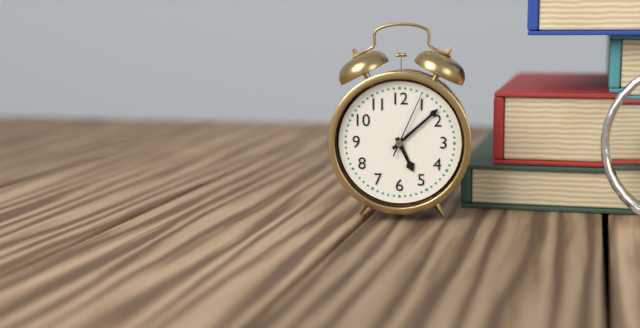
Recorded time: 5h08m04s
